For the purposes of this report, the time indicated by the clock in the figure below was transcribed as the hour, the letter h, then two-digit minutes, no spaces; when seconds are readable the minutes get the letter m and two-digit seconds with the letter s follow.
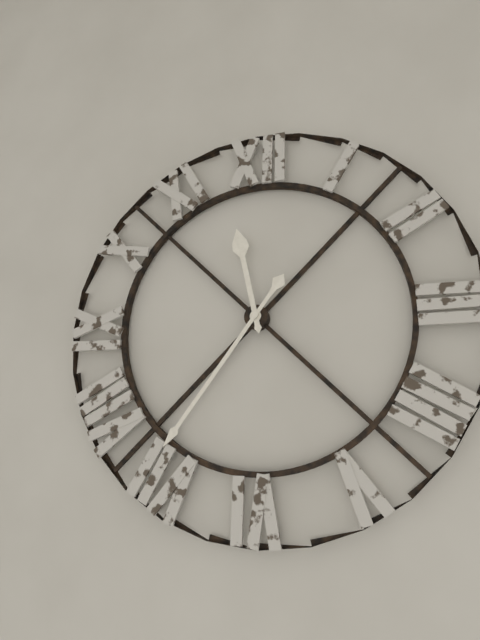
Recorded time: 11h36
